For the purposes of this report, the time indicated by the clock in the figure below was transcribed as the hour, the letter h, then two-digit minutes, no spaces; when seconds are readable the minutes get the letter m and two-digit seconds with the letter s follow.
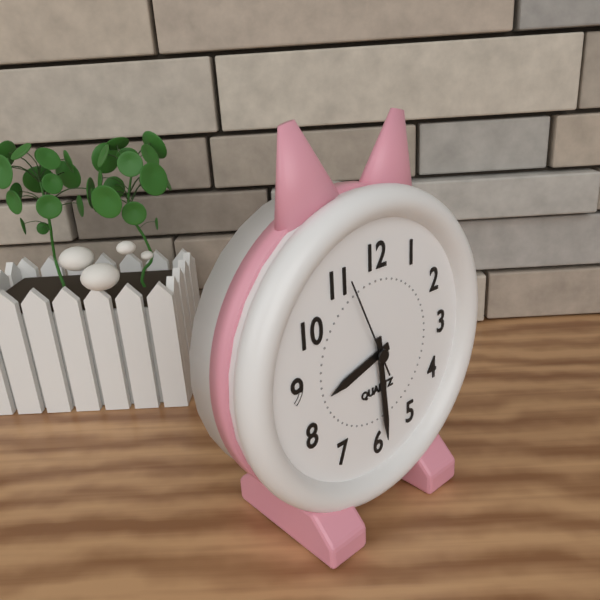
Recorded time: 8h29m56s
